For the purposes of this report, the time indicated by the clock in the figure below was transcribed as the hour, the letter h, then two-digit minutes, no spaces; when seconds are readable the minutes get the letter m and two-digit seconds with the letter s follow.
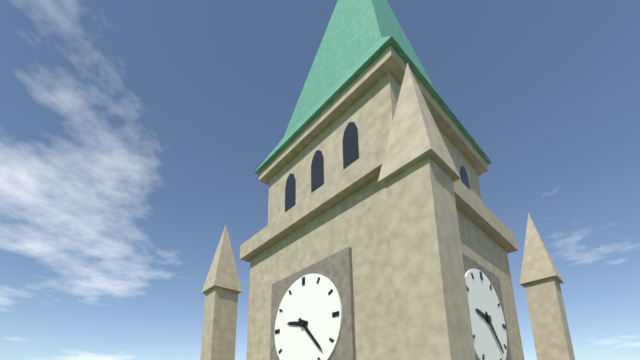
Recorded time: 9h23
